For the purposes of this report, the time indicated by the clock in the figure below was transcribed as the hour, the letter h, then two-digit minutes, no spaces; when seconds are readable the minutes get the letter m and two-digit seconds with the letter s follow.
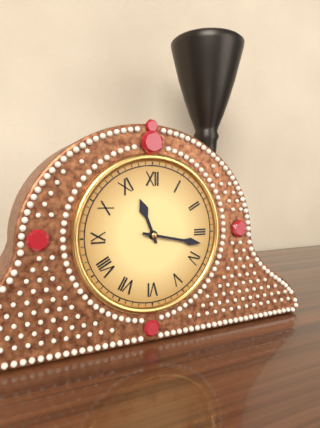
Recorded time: 11h17
